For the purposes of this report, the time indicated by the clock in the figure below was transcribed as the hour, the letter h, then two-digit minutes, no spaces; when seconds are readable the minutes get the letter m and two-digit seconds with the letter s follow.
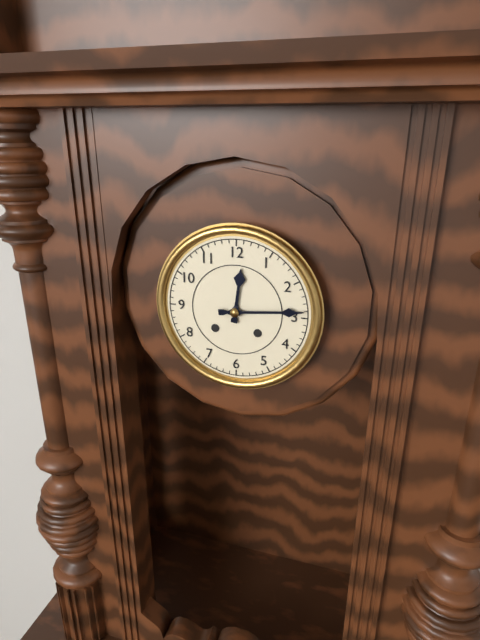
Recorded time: 12h14
